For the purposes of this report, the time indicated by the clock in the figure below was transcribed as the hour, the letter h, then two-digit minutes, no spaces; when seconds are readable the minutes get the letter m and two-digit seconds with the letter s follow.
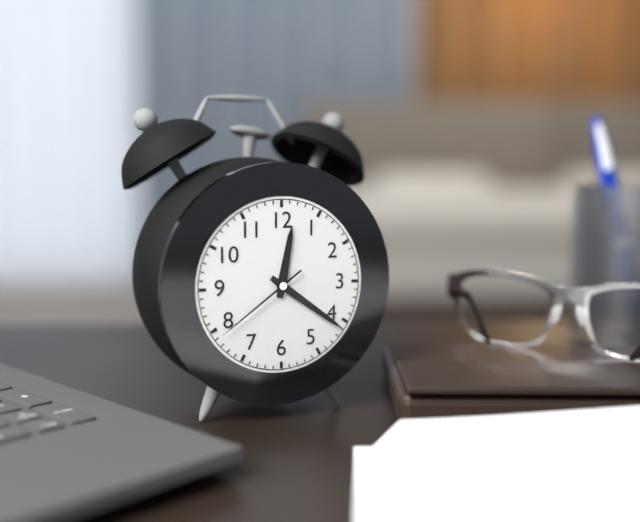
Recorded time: 12h21m39s
